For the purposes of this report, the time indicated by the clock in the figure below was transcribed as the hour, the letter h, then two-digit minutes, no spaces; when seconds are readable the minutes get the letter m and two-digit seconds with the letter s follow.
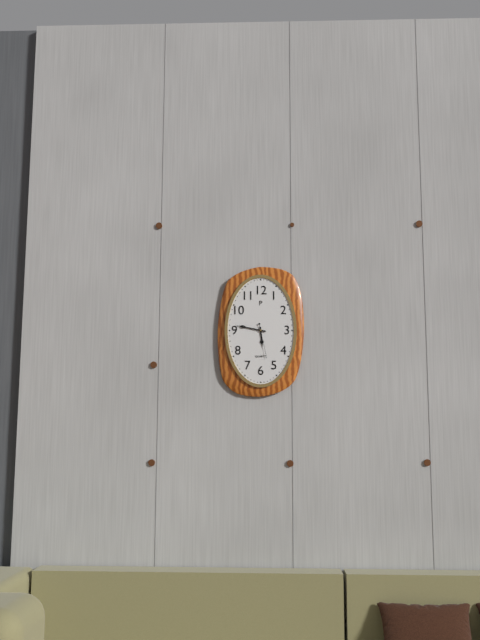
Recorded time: 5h47
